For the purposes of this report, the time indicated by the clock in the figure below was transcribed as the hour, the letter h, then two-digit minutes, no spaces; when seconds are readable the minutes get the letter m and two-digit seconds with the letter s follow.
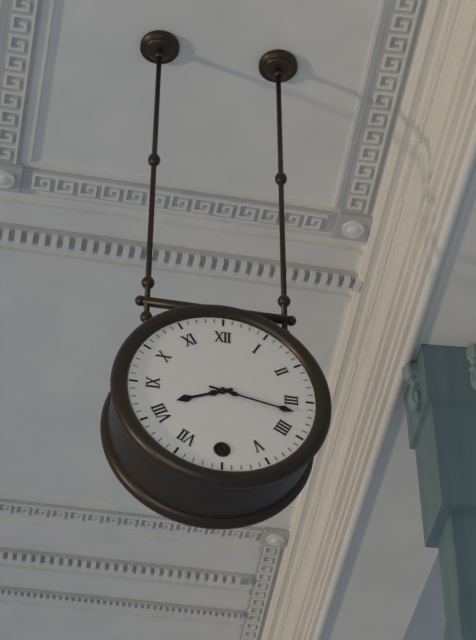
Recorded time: 8h17
